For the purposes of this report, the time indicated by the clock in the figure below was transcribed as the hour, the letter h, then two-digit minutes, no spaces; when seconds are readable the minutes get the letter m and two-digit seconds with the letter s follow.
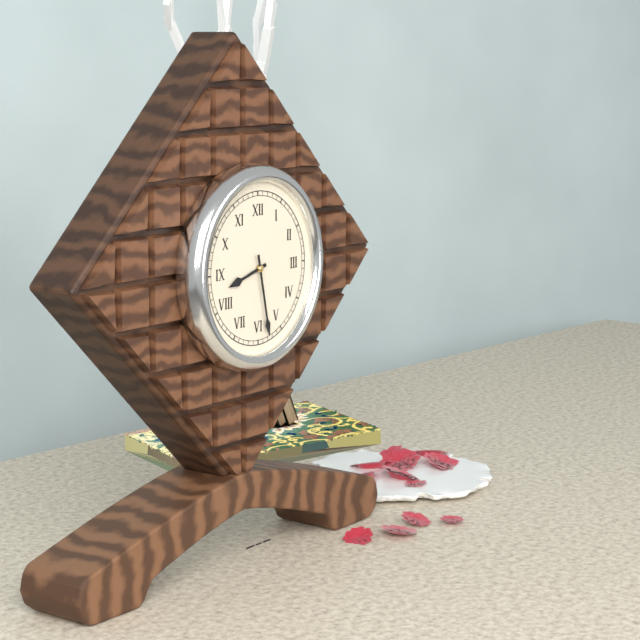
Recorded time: 8h28
